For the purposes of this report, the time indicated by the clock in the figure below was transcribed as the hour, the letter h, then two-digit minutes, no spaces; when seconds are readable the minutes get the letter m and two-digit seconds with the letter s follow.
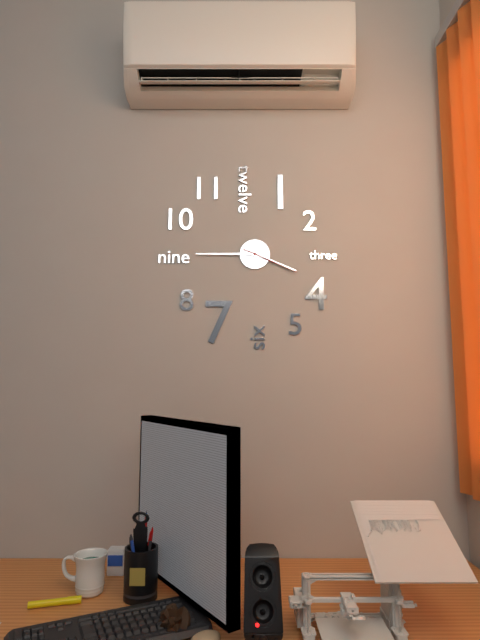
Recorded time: 3h45m19s
